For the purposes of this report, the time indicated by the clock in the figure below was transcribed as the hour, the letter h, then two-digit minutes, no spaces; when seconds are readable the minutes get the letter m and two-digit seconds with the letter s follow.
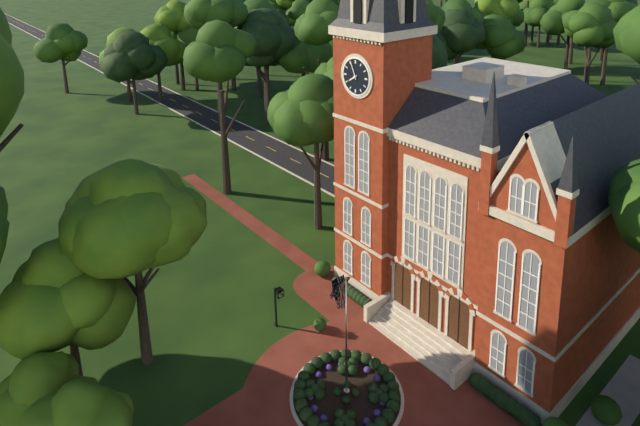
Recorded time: 7h56
